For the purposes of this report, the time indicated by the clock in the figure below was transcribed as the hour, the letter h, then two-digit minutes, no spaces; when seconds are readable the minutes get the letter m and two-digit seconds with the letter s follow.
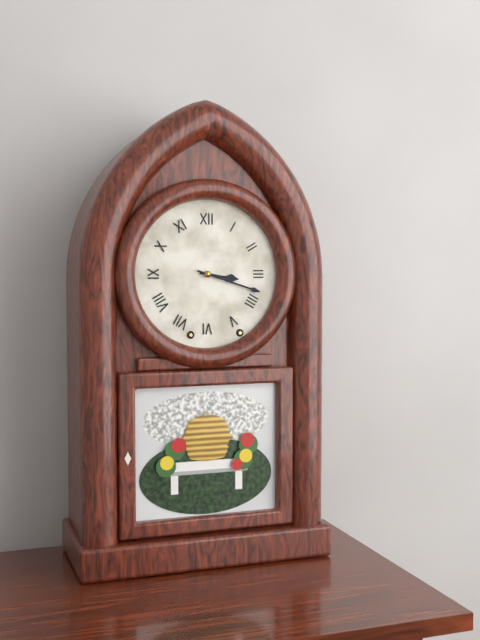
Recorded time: 3h18
